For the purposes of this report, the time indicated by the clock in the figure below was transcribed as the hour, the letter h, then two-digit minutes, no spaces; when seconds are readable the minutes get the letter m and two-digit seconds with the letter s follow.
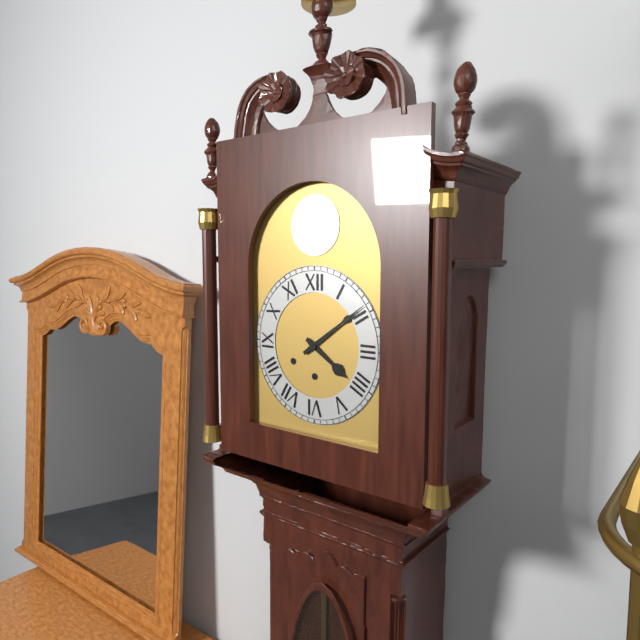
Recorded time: 4h09
